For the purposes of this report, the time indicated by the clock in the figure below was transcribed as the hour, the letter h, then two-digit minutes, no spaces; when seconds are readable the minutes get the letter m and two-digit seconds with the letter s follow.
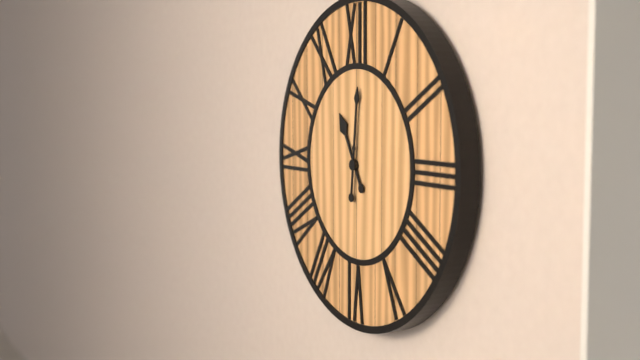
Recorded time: 11h01
